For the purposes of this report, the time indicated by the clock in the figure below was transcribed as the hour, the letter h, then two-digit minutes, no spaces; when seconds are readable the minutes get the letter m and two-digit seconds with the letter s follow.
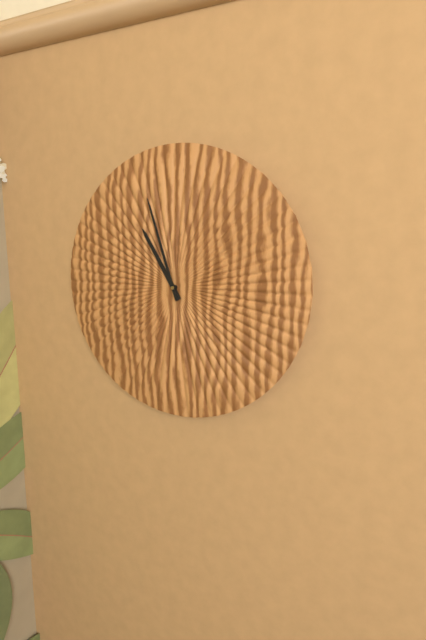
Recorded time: 10h57
